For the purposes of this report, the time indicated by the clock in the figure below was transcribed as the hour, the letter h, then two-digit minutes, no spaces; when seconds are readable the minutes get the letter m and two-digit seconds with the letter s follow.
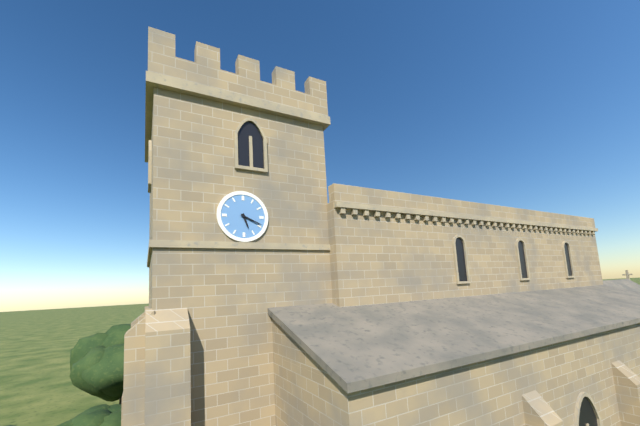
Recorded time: 5h19
